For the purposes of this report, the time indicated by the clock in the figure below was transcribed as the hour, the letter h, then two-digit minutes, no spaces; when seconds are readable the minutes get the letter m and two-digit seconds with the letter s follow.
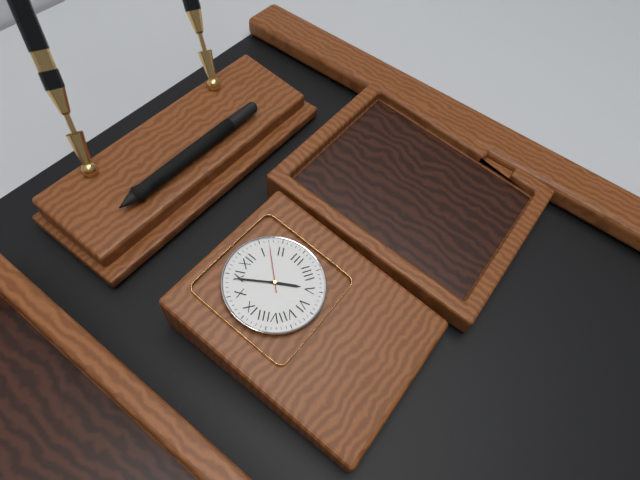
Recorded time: 4h54m07s
